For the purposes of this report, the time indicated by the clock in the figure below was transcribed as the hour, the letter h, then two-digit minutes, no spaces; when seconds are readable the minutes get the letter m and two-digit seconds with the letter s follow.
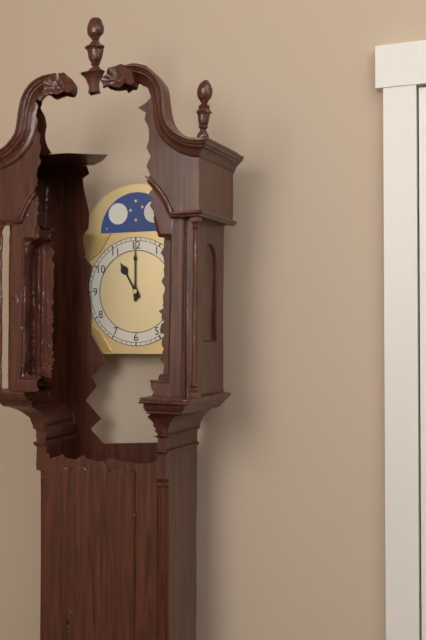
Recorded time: 11h00
